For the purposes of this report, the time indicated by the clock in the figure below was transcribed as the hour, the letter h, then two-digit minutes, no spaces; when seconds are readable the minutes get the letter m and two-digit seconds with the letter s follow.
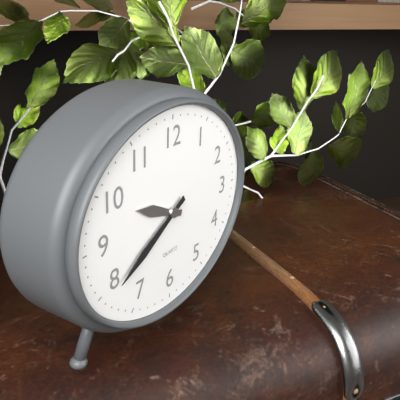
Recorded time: 9h40
